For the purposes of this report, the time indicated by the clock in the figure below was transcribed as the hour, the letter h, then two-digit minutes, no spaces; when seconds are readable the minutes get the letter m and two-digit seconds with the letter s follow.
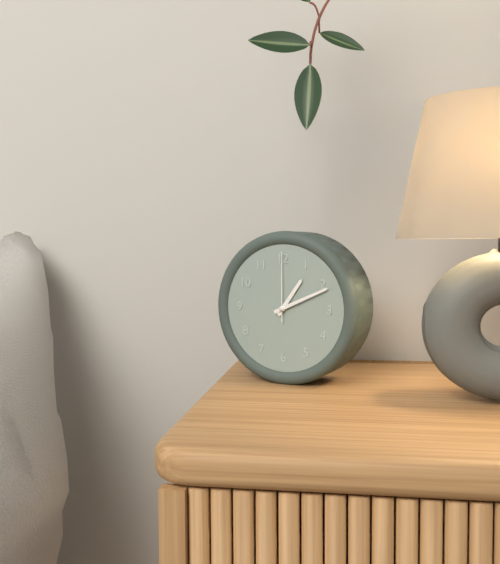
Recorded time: 1h11m00s
